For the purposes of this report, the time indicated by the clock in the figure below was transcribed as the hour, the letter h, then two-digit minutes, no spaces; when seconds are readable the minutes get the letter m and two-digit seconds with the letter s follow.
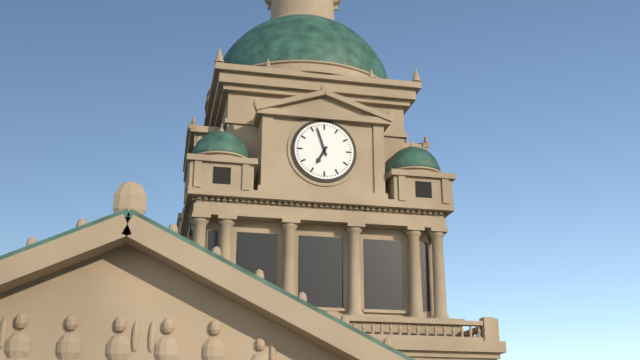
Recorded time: 6h57
